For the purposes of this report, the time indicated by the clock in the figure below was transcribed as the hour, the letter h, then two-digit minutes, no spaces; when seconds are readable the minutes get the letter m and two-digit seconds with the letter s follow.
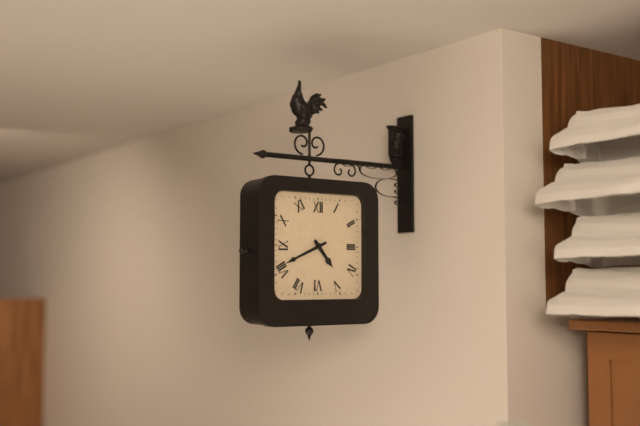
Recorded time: 4h41
